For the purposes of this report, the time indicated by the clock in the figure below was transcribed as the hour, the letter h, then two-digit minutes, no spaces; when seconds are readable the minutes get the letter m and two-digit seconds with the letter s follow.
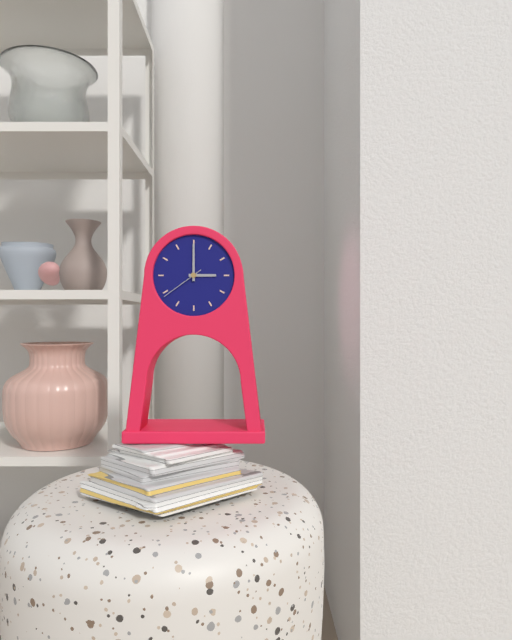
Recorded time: 3h00
